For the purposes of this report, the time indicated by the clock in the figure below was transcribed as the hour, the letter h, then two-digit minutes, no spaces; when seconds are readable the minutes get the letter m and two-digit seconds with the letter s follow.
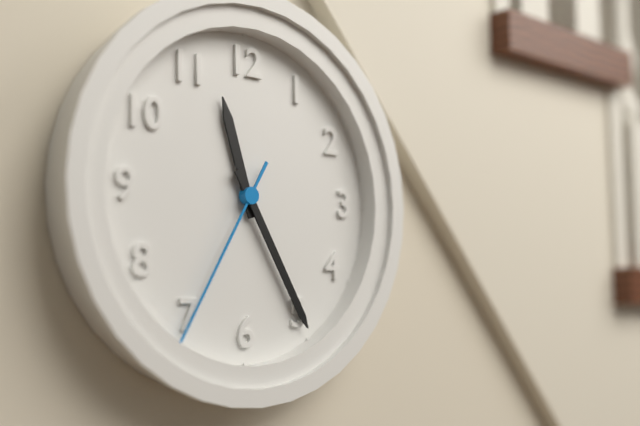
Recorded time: 11h25m35s
